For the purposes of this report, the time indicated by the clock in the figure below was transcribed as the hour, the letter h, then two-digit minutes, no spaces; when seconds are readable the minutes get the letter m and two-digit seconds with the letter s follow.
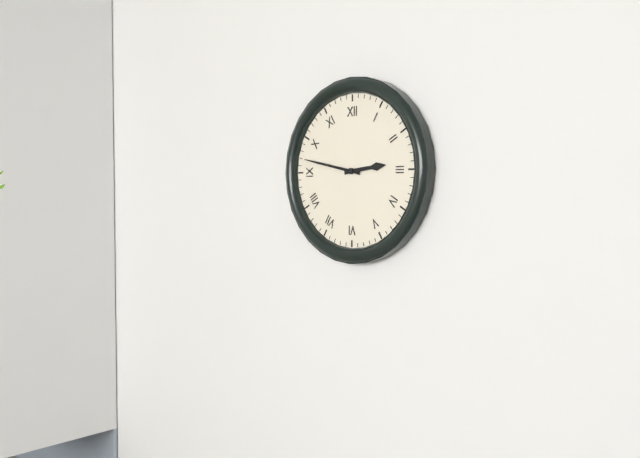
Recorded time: 2h47
